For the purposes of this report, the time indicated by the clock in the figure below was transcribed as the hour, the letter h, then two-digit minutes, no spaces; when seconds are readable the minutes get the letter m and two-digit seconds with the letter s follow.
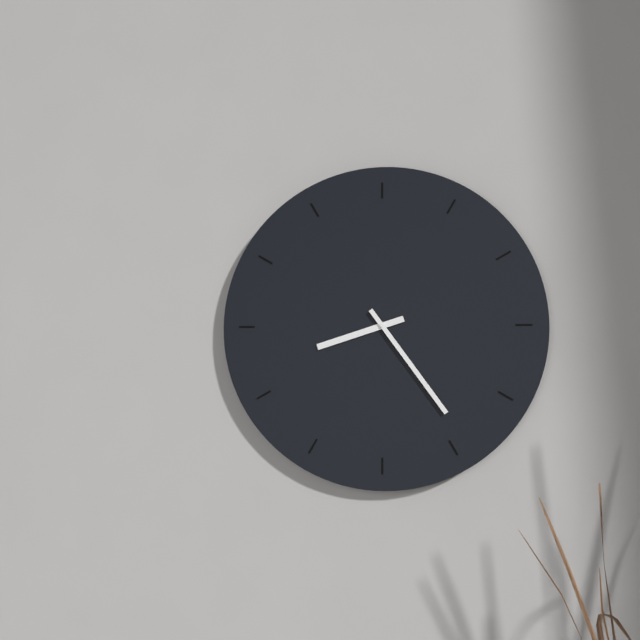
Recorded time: 8h24
